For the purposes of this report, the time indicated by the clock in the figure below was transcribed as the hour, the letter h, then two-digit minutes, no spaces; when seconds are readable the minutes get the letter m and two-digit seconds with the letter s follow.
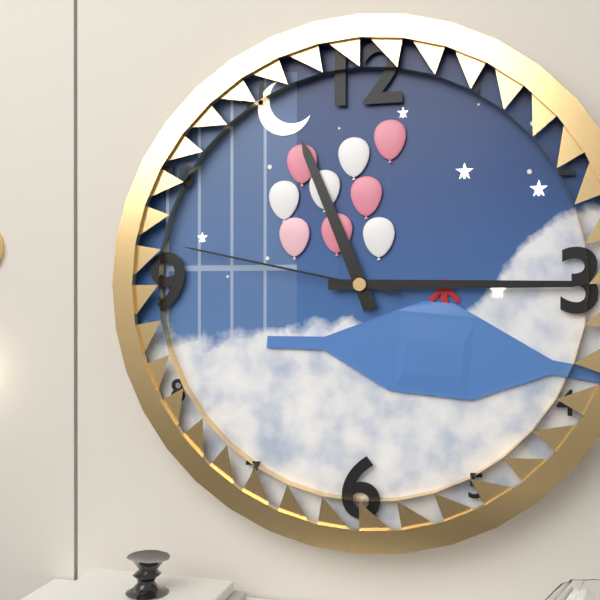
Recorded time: 11h15m47s
